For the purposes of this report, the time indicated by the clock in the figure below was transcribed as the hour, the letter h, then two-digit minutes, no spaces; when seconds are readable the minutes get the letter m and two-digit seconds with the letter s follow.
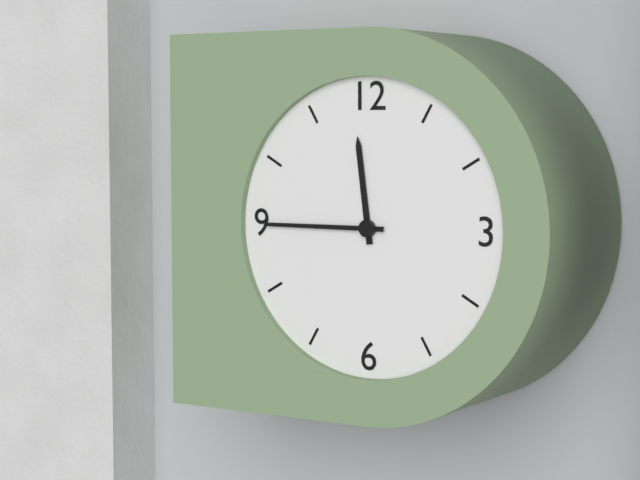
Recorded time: 11h45
